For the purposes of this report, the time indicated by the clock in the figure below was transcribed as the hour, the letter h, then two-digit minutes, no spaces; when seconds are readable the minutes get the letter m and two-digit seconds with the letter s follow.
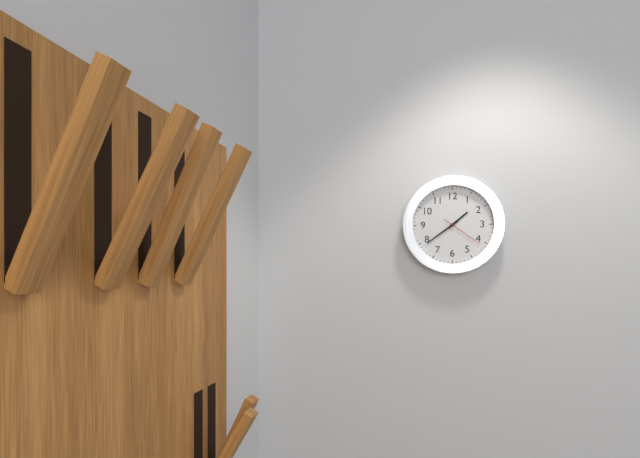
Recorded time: 1h39
